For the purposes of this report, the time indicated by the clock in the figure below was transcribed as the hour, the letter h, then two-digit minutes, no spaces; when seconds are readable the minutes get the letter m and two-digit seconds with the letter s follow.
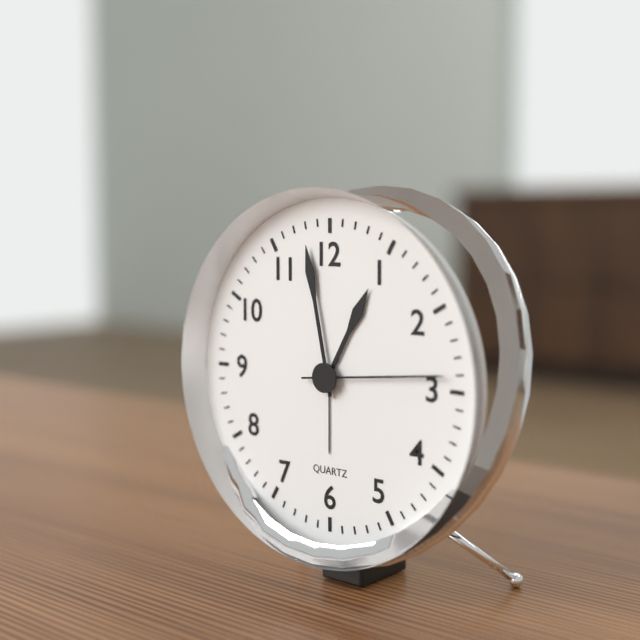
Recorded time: 12h58m14s
